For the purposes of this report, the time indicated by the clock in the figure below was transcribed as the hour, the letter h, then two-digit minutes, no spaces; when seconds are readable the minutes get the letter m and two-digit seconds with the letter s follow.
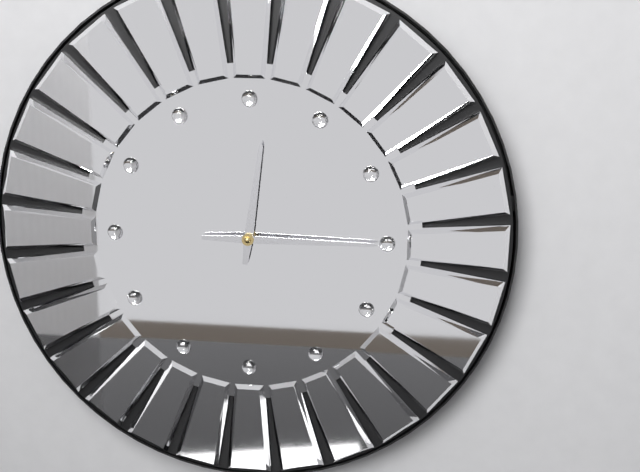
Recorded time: 12h15
